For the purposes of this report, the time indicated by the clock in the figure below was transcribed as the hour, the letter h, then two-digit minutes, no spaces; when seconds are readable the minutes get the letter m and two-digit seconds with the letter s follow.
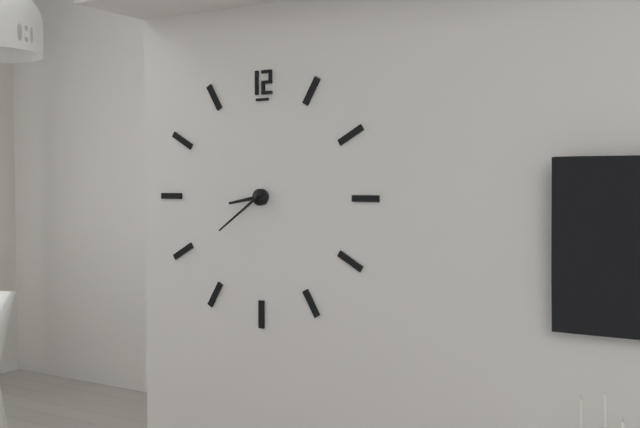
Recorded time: 8h39
